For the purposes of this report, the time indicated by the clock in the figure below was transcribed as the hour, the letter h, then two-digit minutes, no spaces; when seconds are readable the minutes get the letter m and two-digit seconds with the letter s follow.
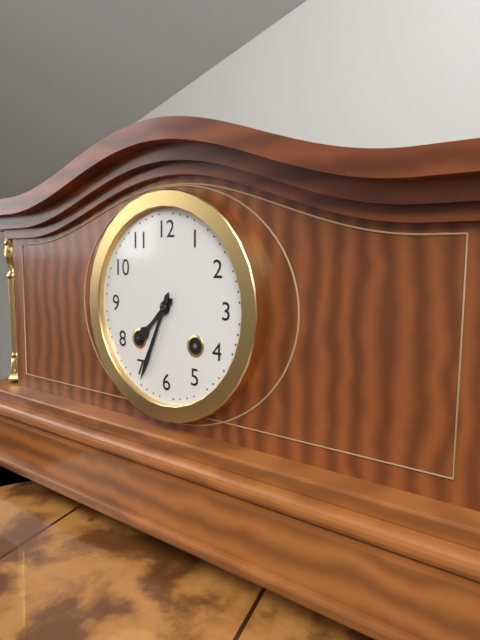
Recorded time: 7h34
